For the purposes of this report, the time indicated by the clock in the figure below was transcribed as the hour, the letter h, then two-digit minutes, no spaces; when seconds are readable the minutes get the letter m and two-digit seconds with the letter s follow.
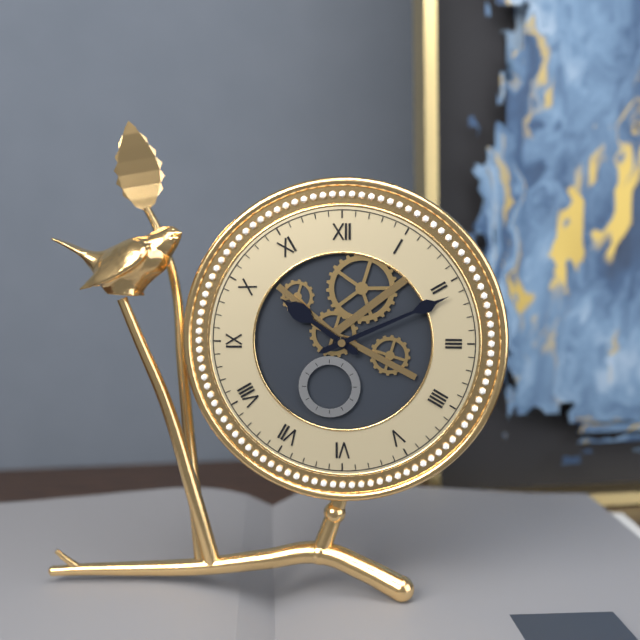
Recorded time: 10h11
